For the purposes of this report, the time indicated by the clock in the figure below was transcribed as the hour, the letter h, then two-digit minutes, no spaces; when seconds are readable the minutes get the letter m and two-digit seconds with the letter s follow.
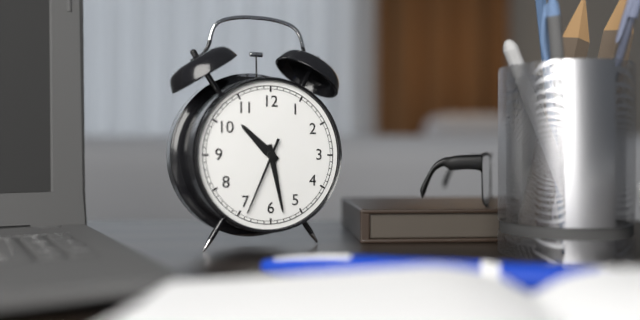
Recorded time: 10h28m34s
